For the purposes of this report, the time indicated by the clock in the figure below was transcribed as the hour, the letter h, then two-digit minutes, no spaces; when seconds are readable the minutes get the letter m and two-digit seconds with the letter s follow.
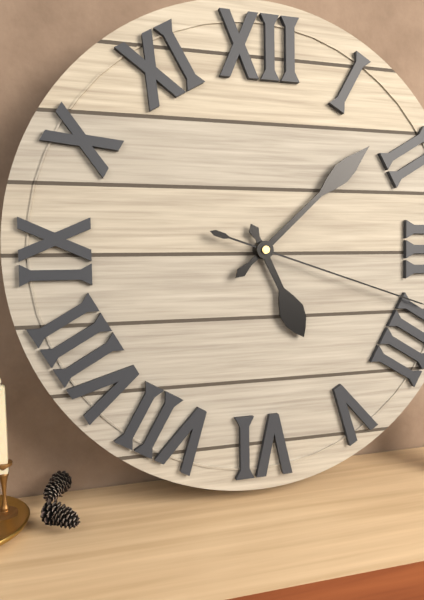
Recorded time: 5h08
